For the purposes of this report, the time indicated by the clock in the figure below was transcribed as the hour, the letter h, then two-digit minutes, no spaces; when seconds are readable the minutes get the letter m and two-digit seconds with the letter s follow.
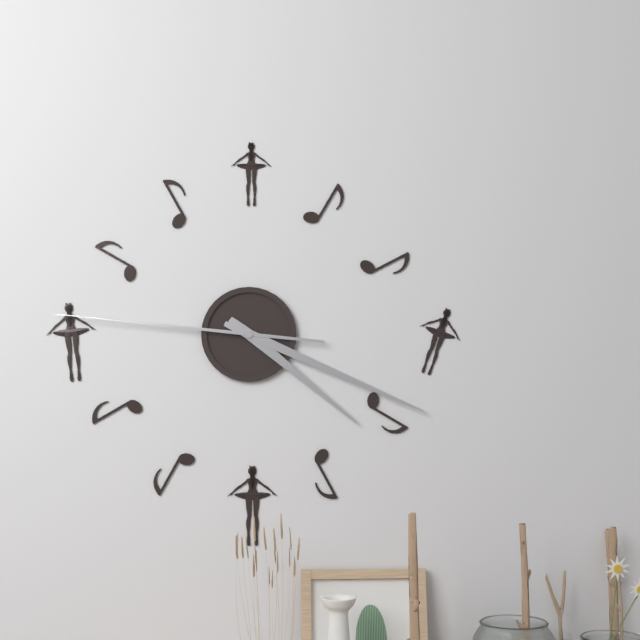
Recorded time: 4h19m46s
